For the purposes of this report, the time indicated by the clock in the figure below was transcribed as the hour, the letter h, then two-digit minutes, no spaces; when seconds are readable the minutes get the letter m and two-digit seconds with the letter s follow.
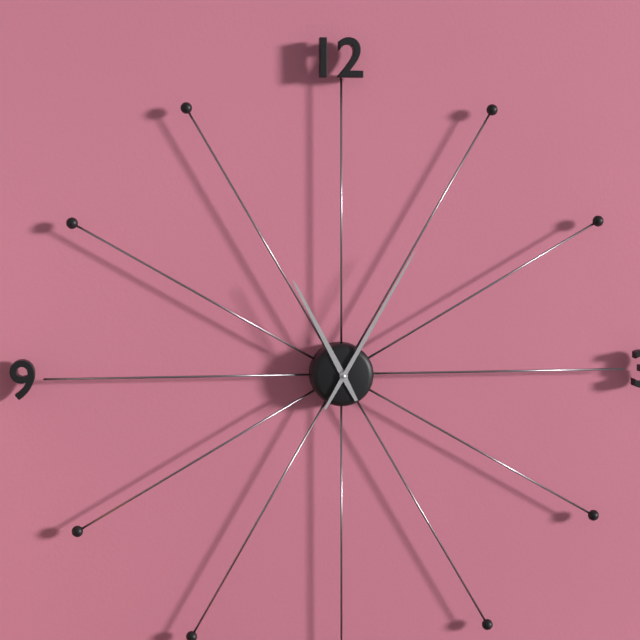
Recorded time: 11h05
